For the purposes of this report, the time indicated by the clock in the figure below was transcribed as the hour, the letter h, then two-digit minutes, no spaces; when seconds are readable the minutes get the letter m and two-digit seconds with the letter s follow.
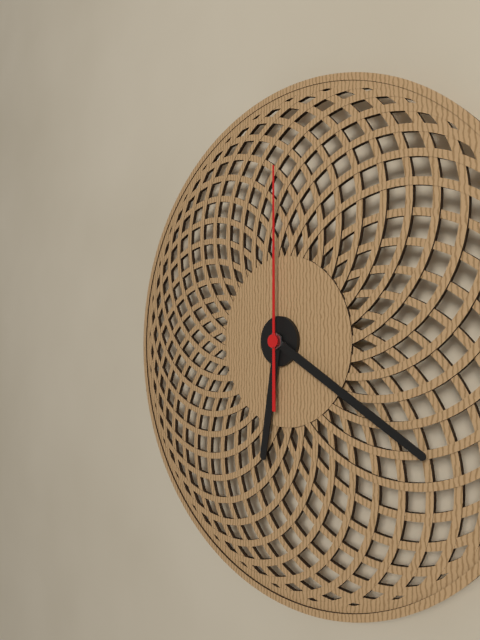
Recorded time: 6h20m00s
